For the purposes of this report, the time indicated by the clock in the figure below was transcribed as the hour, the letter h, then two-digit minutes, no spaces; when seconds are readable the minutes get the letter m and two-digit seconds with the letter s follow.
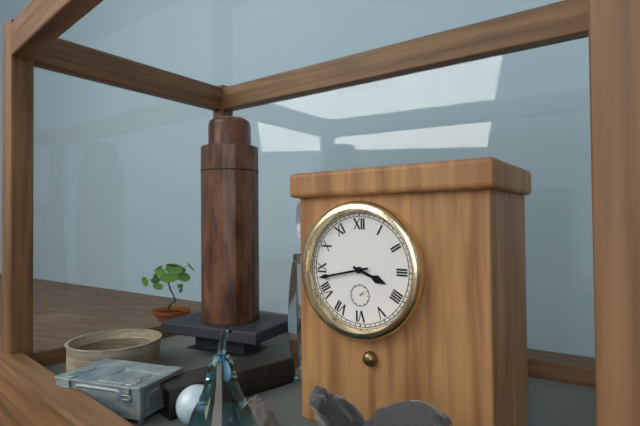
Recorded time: 3h43
